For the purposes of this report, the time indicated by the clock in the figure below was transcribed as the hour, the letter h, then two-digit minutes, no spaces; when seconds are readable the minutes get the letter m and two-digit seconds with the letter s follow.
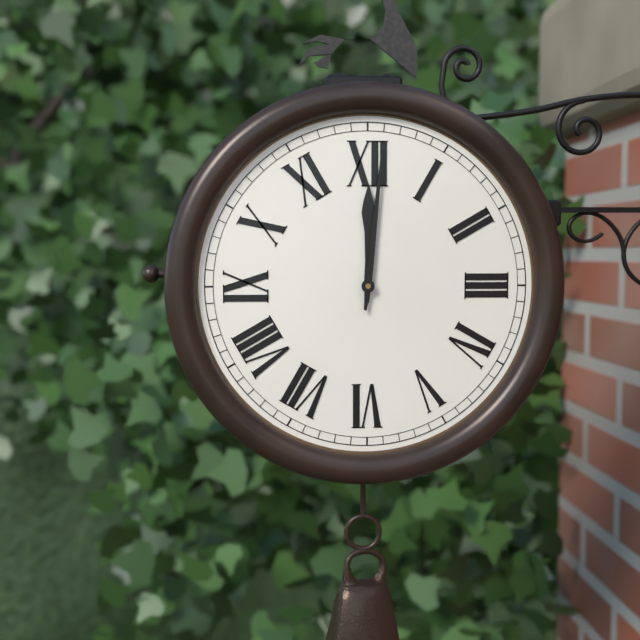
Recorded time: 12h01
